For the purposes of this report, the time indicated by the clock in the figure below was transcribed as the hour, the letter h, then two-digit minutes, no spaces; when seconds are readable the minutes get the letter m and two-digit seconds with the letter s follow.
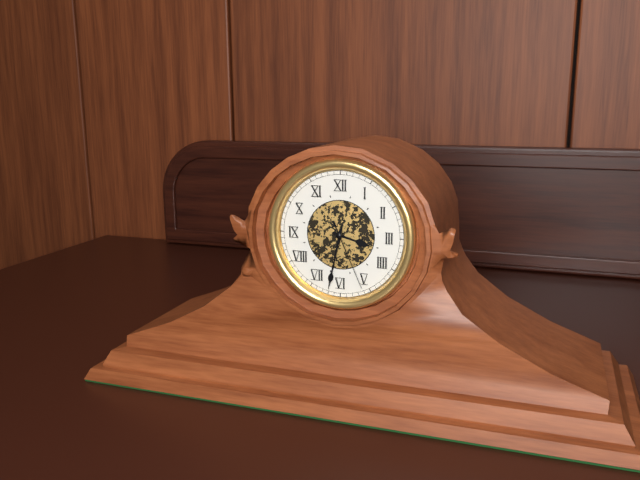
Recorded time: 3h32m26s
